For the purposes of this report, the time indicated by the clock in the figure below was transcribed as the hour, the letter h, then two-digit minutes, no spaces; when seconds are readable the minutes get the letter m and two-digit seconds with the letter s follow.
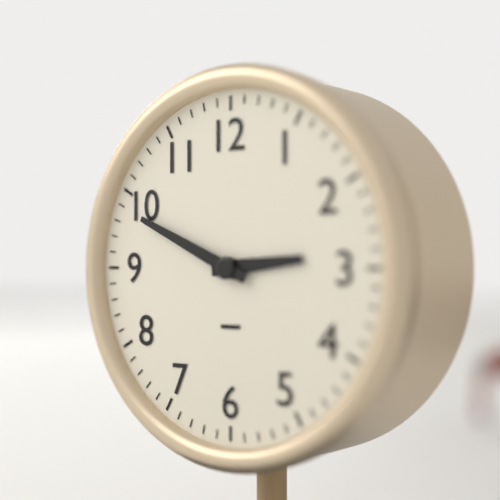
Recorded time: 2h49
